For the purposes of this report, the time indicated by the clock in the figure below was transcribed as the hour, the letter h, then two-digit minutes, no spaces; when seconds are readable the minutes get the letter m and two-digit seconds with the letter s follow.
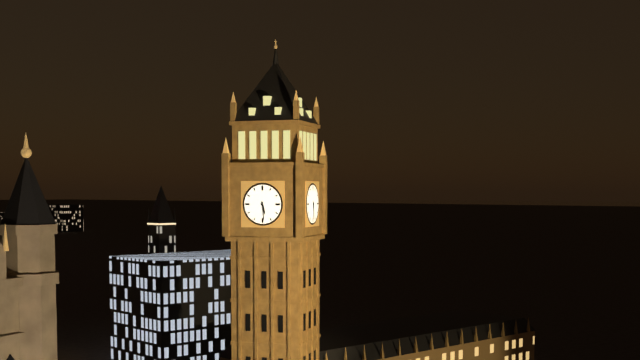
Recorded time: 5h29
